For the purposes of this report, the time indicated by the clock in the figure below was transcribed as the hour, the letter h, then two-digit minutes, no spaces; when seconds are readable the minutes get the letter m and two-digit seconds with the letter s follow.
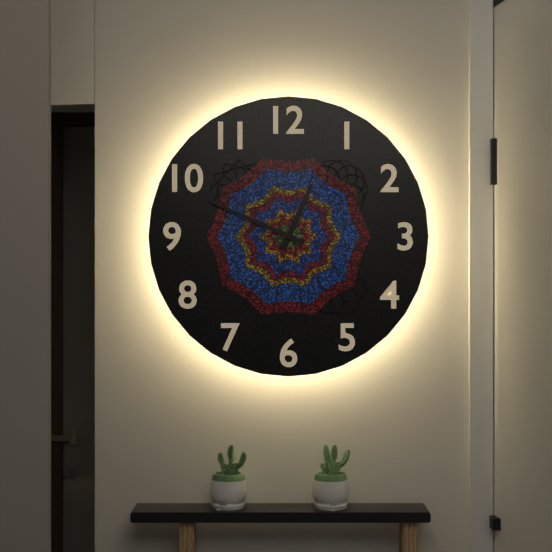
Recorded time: 12h49
